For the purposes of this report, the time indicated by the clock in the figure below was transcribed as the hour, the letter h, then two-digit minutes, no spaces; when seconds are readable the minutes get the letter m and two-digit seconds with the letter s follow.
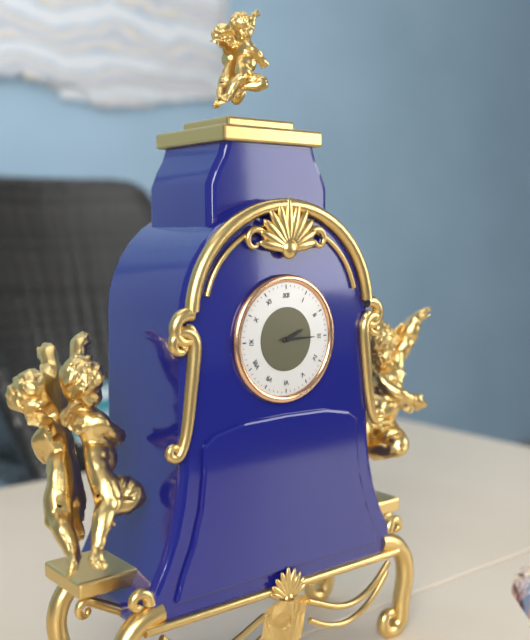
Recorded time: 2h15
